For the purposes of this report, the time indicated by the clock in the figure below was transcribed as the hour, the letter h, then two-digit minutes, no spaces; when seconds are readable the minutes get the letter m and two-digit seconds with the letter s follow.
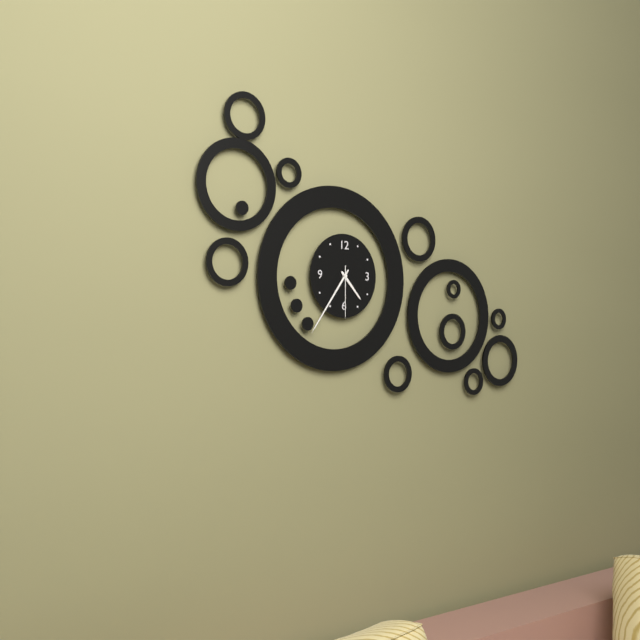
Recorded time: 4h36m30s
